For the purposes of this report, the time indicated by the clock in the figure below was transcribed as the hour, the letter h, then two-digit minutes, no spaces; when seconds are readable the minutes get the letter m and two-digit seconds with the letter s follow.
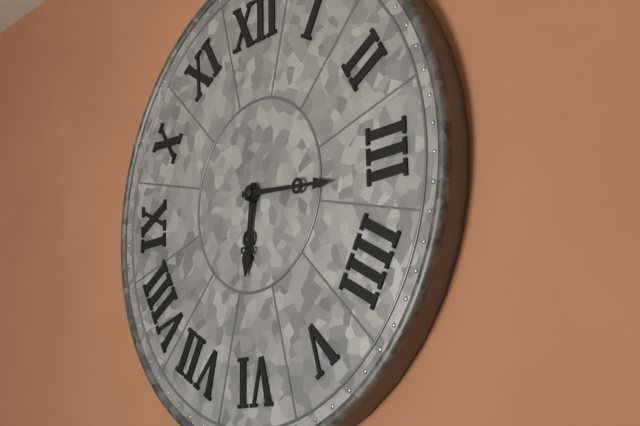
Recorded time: 6h16
